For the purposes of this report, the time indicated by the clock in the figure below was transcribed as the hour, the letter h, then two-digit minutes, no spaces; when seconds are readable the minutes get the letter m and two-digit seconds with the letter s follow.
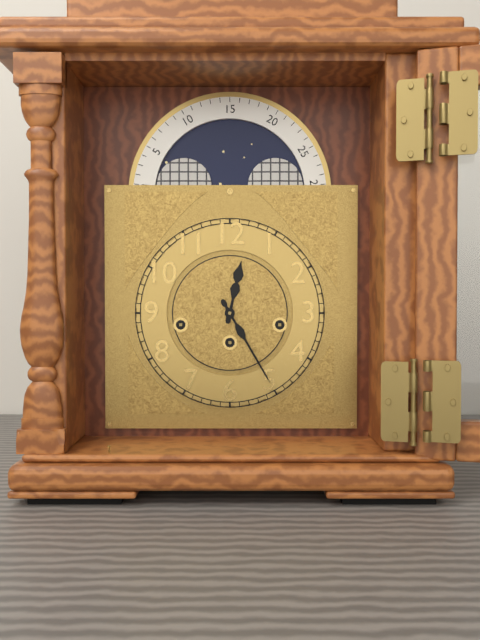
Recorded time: 12h25
